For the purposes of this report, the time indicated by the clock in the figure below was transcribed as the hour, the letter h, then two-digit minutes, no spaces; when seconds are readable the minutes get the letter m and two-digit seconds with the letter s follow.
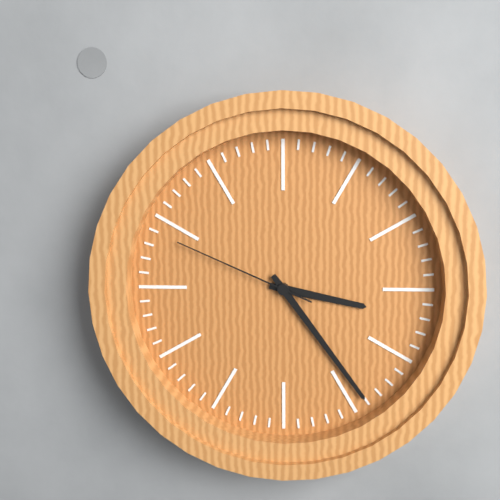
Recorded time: 3h24m49s
